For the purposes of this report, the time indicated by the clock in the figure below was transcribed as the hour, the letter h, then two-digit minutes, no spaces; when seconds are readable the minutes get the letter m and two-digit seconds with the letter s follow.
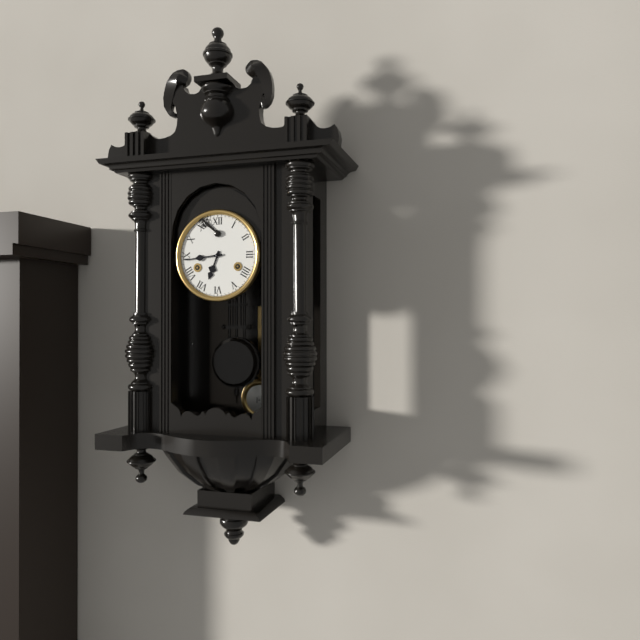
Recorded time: 6h44
